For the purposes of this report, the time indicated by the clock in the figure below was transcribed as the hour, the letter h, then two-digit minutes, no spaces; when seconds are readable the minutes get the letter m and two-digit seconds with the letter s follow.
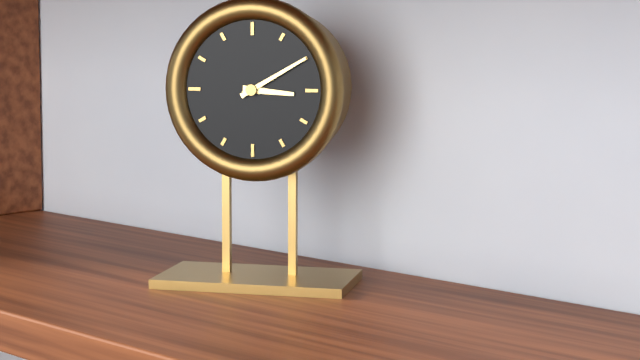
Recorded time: 3h10
